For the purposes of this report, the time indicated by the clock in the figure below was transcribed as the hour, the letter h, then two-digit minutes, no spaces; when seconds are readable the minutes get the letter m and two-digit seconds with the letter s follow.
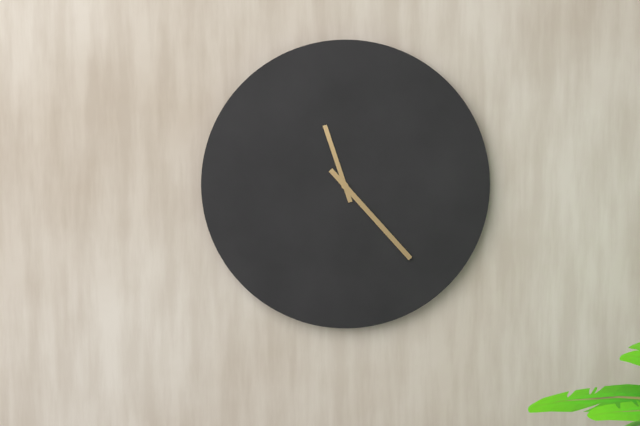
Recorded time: 11h23
